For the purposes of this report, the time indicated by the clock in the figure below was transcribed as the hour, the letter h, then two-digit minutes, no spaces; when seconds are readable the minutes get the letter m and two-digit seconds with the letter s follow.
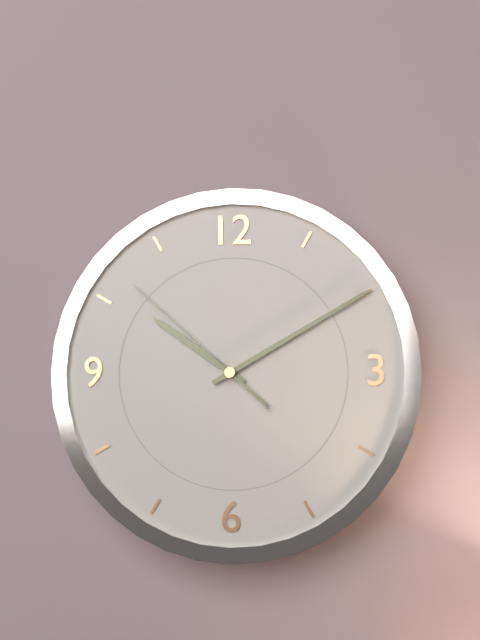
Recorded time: 10h10m52s
